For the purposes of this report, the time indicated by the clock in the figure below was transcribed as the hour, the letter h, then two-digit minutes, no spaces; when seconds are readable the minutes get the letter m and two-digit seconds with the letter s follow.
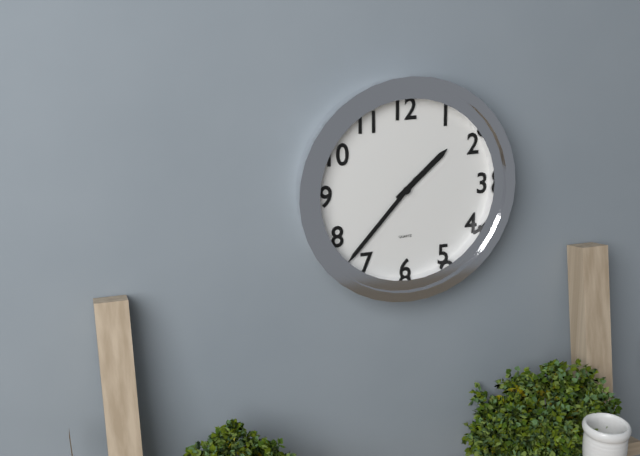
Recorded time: 1h37
